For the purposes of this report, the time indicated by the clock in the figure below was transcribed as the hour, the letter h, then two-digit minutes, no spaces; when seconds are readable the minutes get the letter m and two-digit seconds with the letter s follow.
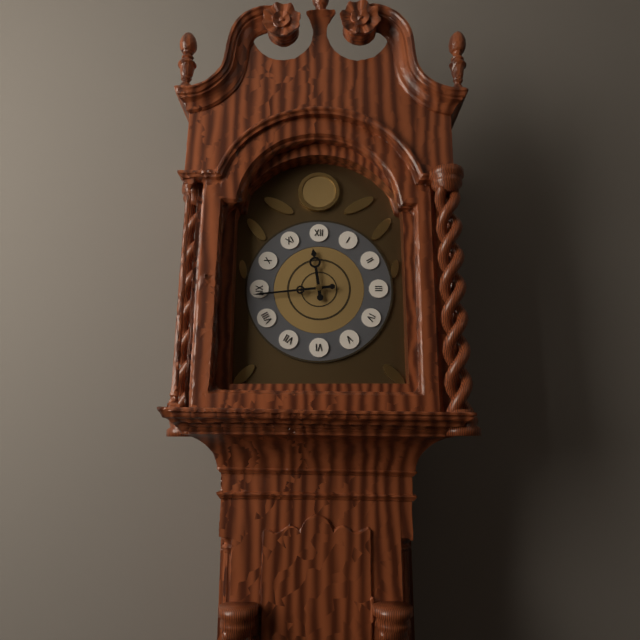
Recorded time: 11h44
